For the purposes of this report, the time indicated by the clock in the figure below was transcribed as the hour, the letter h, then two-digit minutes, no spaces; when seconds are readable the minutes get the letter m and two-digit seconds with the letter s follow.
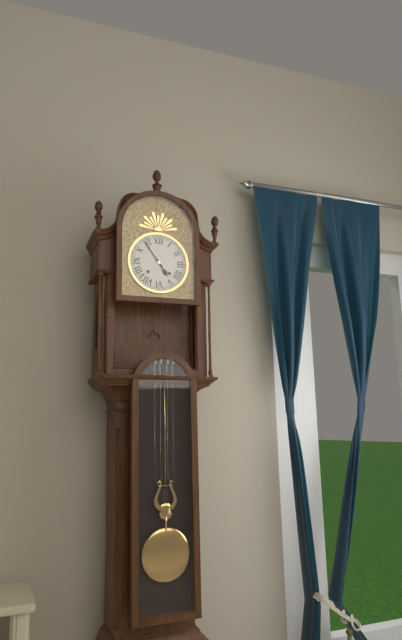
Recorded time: 4h54
